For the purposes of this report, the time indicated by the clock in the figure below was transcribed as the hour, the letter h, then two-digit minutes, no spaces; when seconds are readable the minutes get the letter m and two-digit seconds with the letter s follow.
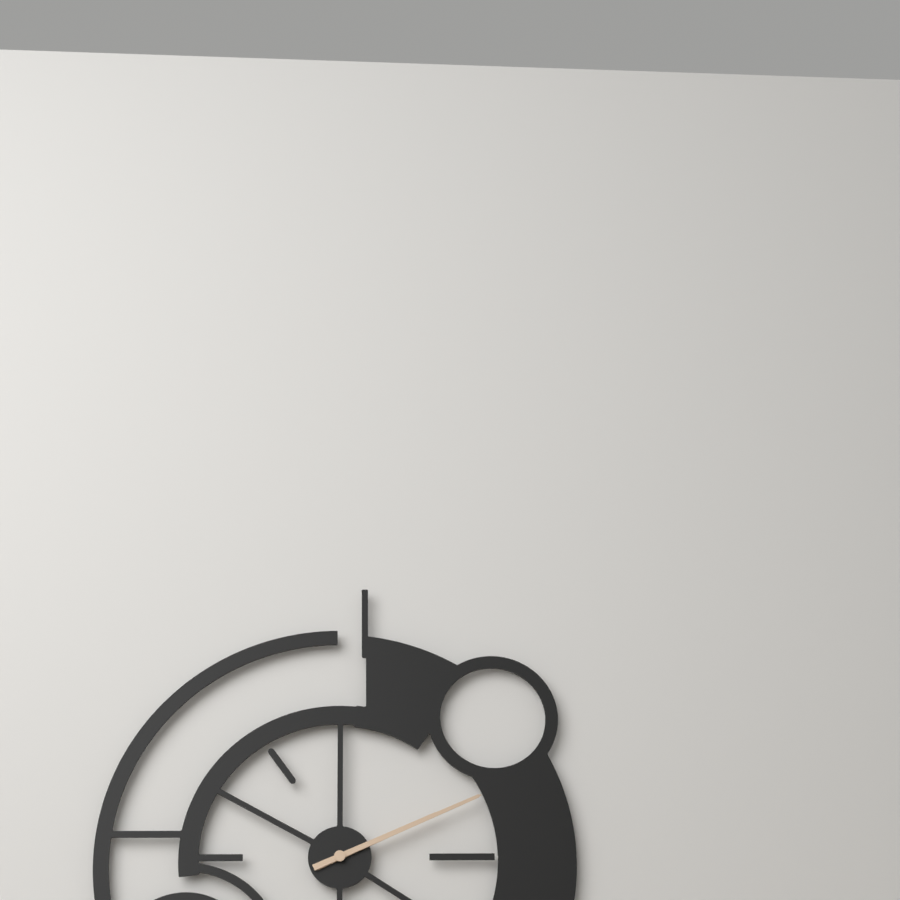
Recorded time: 2h11
